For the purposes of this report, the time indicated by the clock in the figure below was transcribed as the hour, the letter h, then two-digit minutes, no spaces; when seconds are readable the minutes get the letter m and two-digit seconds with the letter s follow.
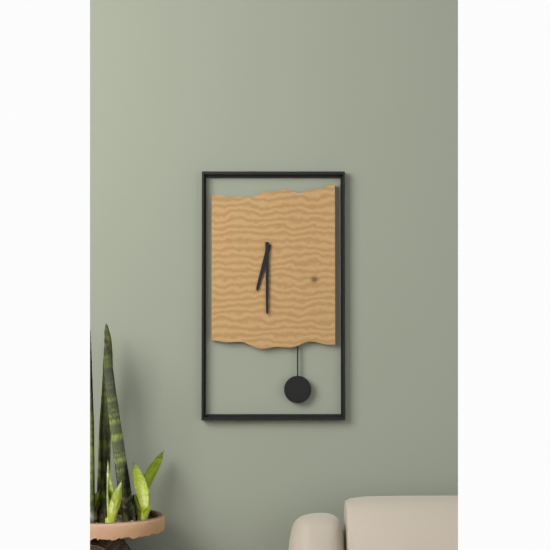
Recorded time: 6h30
